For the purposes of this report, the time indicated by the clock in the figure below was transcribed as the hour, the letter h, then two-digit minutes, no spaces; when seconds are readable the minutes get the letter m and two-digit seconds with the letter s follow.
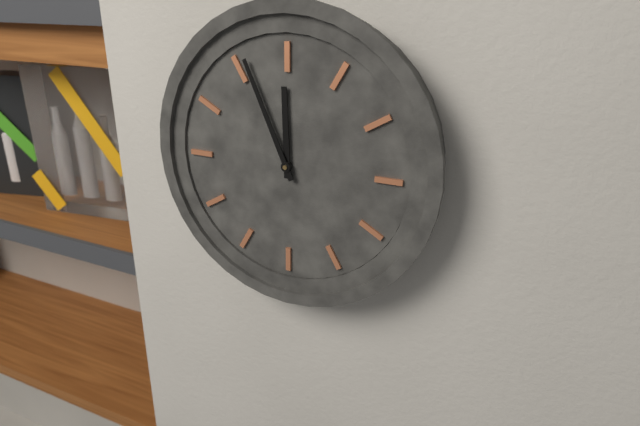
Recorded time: 11h56
